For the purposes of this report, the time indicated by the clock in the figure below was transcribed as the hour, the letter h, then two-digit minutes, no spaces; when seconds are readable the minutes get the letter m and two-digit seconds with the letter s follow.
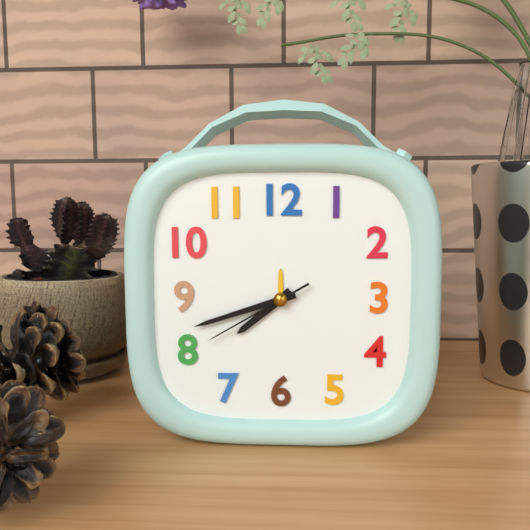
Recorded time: 7h42m40s
